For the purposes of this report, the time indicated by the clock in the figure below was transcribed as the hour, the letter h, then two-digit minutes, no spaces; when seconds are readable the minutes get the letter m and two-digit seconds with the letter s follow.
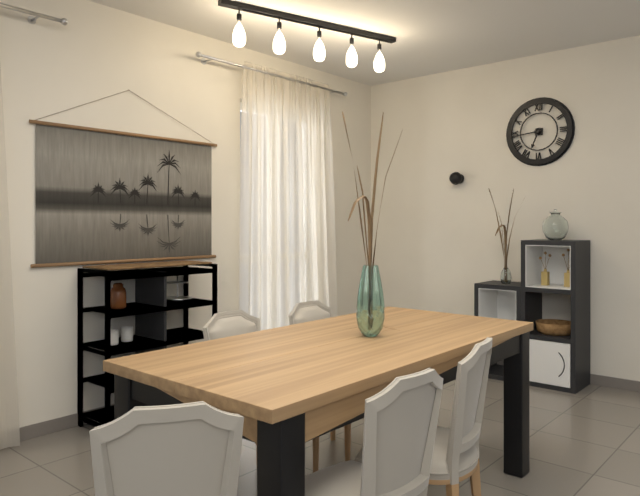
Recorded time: 6h44
